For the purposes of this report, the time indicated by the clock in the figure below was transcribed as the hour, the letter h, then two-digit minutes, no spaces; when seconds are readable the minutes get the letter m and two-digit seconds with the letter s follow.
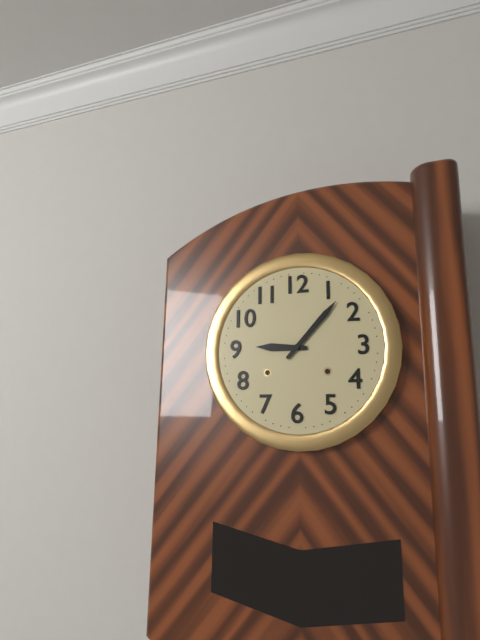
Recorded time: 9h07
